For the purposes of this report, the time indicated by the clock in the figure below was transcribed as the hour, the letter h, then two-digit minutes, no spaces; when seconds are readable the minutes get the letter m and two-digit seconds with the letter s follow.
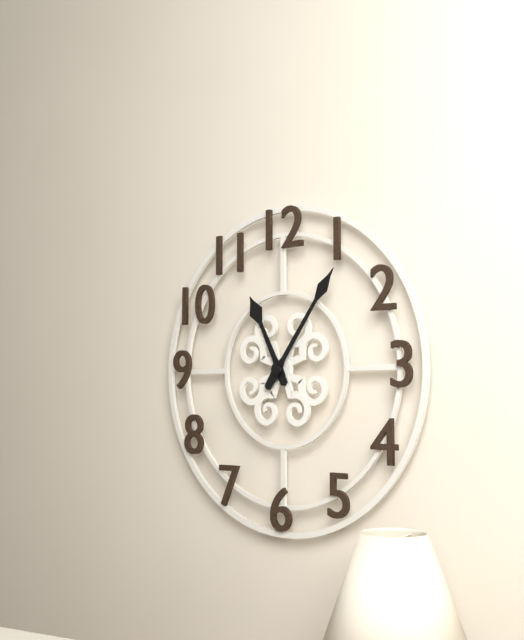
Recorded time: 11h06
